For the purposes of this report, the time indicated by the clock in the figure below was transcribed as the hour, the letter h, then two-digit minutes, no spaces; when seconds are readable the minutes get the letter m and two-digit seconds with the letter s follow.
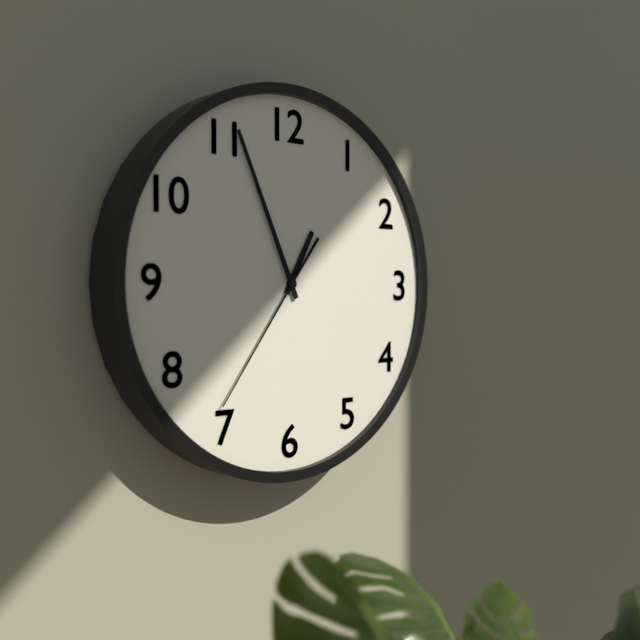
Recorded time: 12h56m36s
